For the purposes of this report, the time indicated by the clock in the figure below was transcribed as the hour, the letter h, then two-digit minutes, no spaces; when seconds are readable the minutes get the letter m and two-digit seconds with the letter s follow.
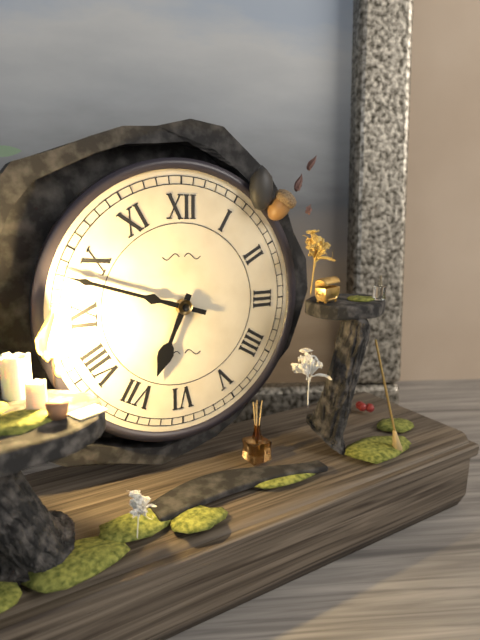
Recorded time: 6h48
